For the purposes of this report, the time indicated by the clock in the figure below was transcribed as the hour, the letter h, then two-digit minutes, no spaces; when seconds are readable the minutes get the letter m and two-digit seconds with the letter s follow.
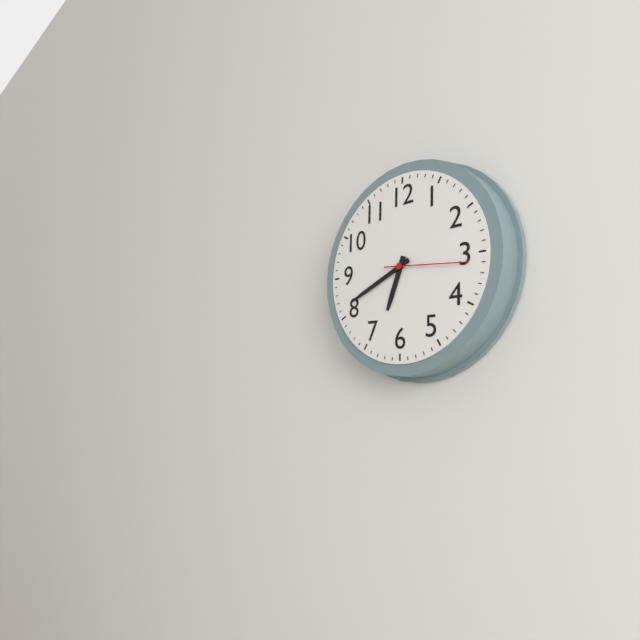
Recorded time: 6h41m16s
